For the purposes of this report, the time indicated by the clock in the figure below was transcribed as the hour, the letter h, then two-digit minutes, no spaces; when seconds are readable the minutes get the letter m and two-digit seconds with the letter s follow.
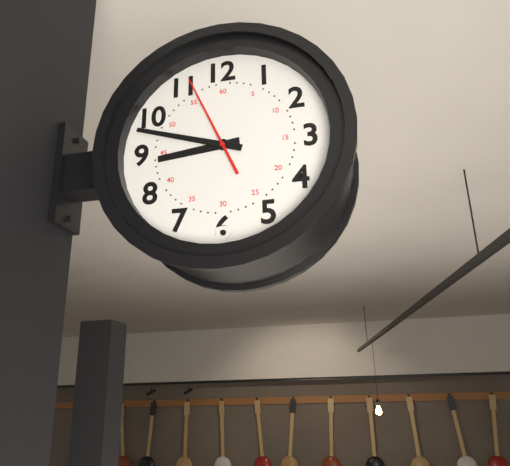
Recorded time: 8h48m56s
